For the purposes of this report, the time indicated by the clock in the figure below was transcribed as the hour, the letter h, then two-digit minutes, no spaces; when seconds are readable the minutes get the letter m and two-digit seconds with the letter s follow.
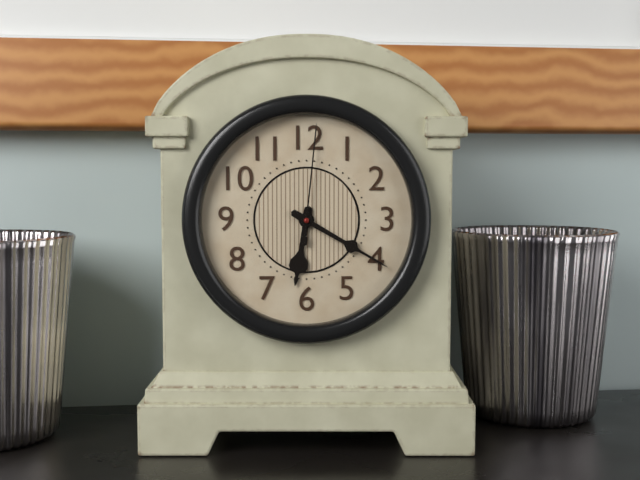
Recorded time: 6h20m01s
